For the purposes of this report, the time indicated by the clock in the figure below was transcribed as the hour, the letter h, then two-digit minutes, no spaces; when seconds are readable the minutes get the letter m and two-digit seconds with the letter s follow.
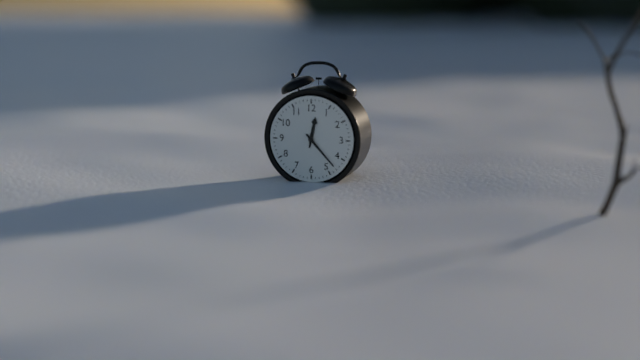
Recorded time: 12h23
